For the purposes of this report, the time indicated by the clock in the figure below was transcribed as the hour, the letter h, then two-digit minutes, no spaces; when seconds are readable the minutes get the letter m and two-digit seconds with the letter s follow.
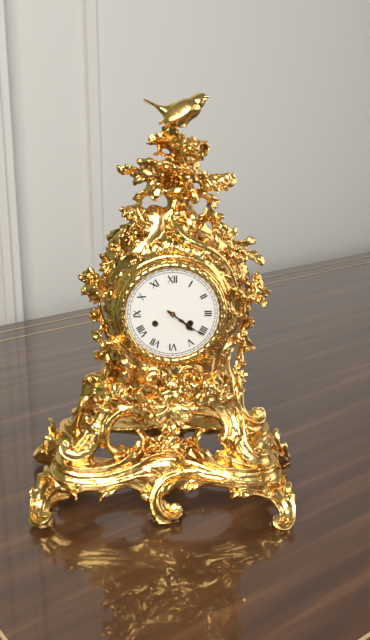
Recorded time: 4h21
